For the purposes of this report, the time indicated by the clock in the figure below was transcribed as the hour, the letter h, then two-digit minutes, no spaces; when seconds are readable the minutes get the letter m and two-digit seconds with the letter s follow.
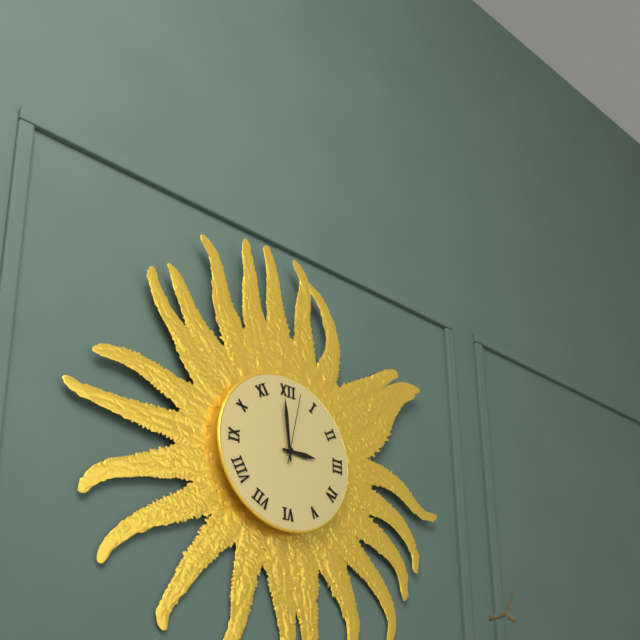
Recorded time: 2h59m02s
